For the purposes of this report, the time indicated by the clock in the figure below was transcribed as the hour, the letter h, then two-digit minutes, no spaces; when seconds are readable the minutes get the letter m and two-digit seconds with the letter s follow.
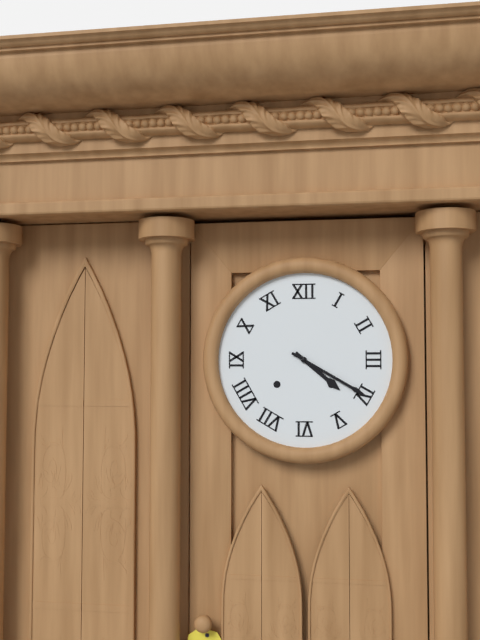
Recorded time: 4h20
